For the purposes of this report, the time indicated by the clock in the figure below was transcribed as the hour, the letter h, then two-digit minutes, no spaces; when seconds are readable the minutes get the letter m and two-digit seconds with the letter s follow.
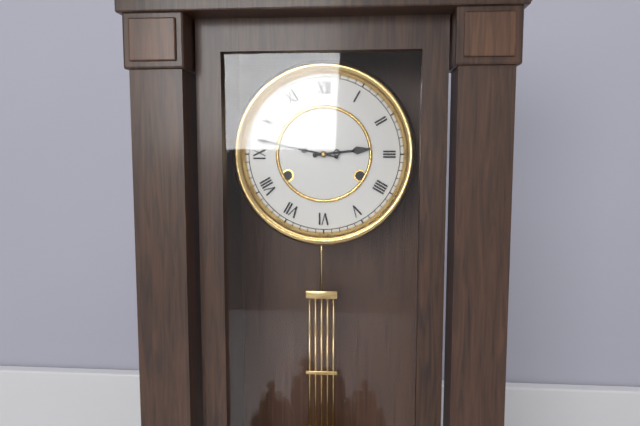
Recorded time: 2h47
